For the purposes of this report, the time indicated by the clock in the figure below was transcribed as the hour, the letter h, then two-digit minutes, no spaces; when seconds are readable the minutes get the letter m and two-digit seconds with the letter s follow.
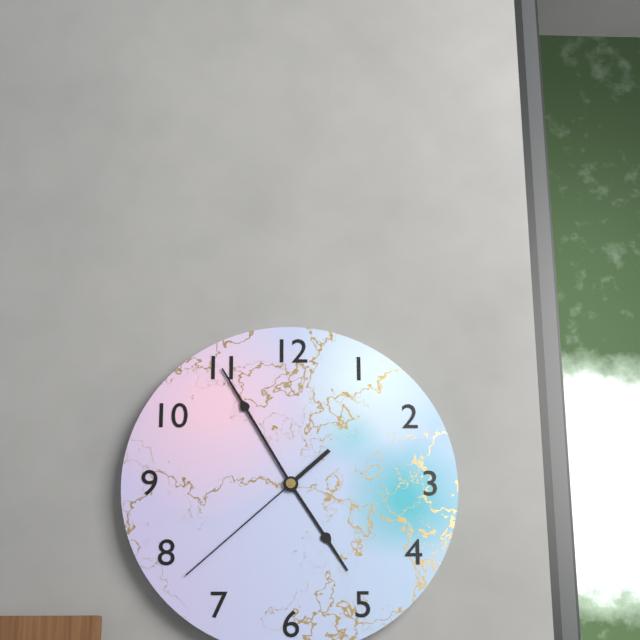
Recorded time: 4h55m38s
